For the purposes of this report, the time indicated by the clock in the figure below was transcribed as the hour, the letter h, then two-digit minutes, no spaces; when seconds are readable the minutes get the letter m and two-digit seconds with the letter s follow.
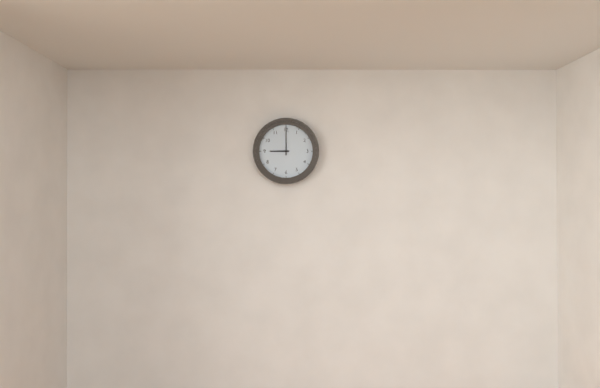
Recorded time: 9h00
